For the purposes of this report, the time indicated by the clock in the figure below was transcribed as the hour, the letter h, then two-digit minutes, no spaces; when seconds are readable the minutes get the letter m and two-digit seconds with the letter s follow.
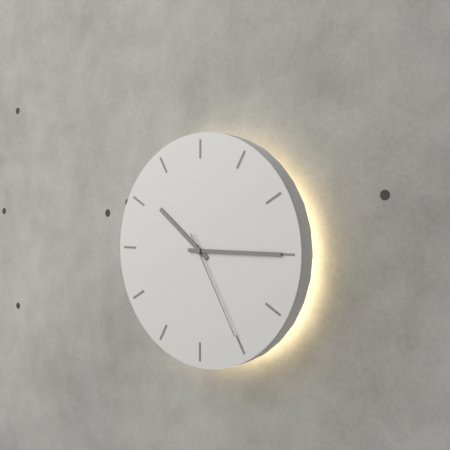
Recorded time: 10h15m25s
